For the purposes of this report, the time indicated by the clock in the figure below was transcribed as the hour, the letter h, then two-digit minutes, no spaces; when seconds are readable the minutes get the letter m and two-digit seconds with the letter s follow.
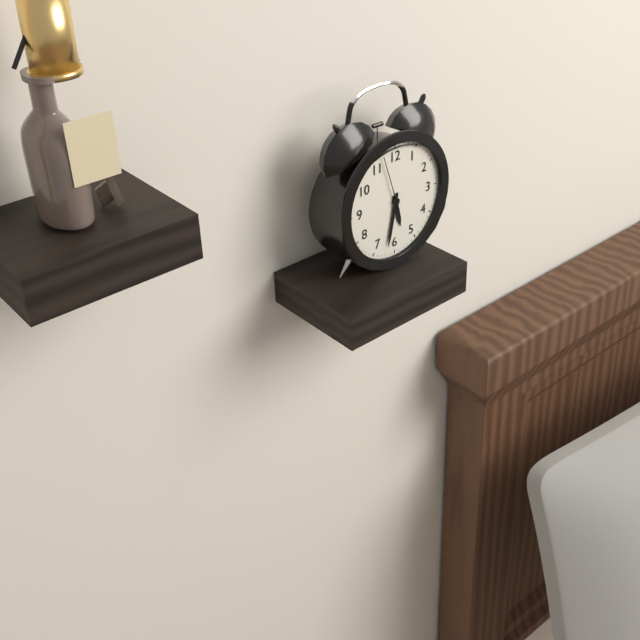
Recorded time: 5h32m57s
